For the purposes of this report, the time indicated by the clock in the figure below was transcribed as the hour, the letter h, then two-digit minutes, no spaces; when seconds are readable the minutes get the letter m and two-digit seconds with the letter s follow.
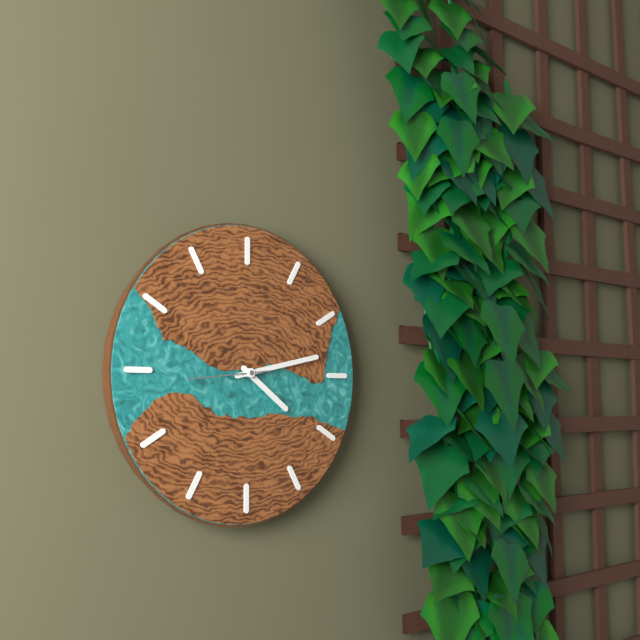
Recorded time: 4h13m44s
